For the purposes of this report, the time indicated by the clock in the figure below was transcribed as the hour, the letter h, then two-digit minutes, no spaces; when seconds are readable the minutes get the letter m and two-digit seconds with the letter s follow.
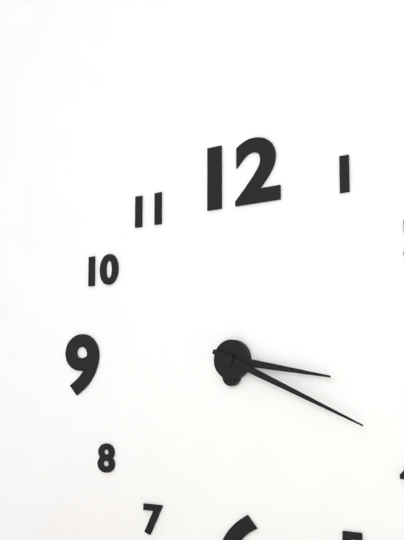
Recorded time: 3h19
